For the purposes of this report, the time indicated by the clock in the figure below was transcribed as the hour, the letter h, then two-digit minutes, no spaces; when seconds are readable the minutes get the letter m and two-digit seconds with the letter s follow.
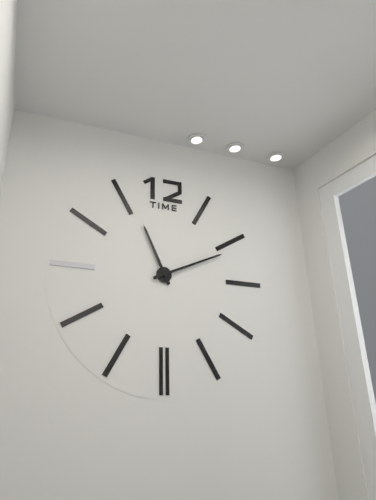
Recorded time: 11h11
